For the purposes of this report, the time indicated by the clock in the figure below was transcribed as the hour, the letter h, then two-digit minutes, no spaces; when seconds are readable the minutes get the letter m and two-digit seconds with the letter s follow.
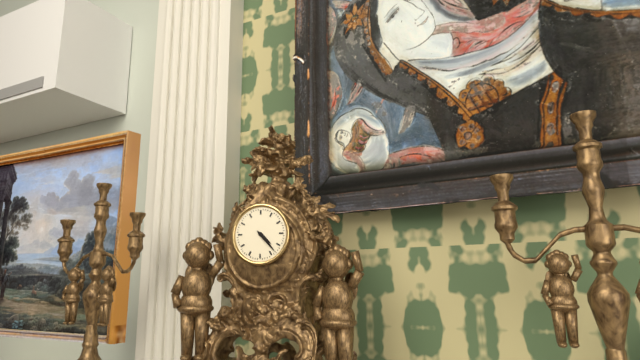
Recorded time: 4h23
